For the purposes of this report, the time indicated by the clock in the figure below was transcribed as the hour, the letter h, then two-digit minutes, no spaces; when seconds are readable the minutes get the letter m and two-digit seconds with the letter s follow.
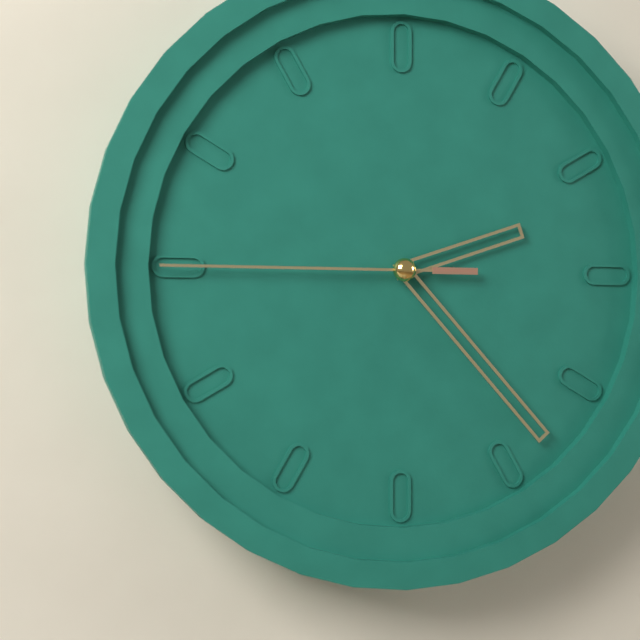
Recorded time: 2h23m45s
